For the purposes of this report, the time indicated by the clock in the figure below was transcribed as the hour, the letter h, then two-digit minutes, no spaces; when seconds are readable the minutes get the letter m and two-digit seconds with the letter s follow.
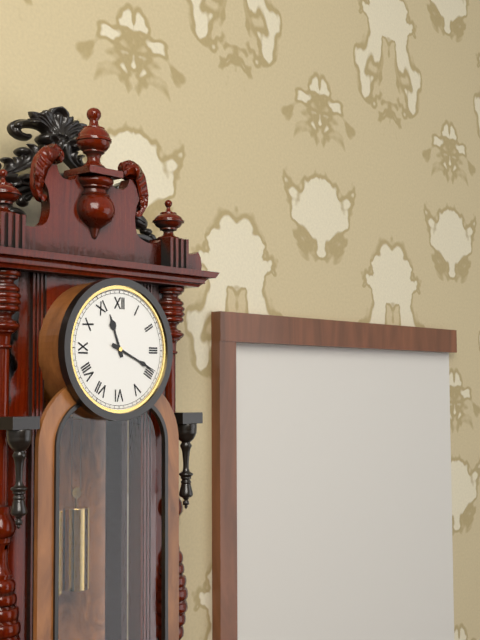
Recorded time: 11h19
